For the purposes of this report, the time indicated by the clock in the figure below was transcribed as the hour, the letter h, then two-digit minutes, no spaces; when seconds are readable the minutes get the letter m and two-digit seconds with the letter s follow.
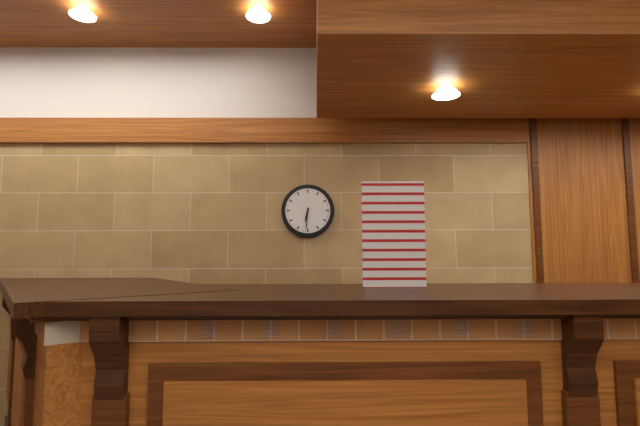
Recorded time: 6h31
